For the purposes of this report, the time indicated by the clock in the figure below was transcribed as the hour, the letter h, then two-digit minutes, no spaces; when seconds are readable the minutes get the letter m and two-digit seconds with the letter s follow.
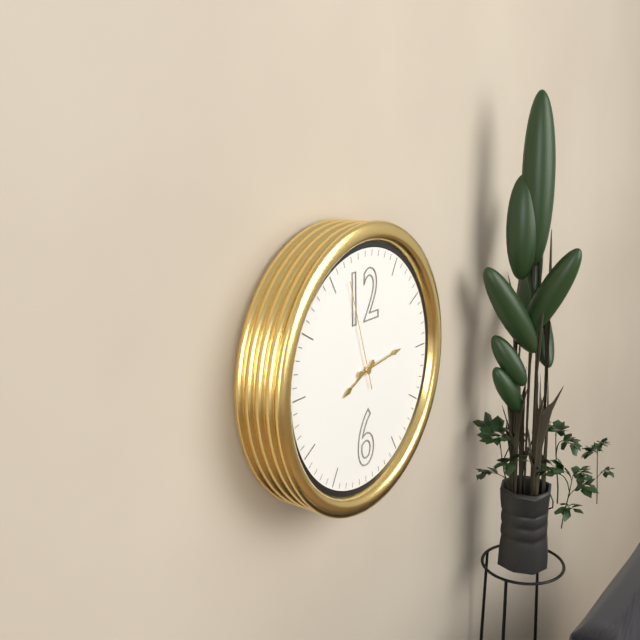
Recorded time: 8h14m57s
